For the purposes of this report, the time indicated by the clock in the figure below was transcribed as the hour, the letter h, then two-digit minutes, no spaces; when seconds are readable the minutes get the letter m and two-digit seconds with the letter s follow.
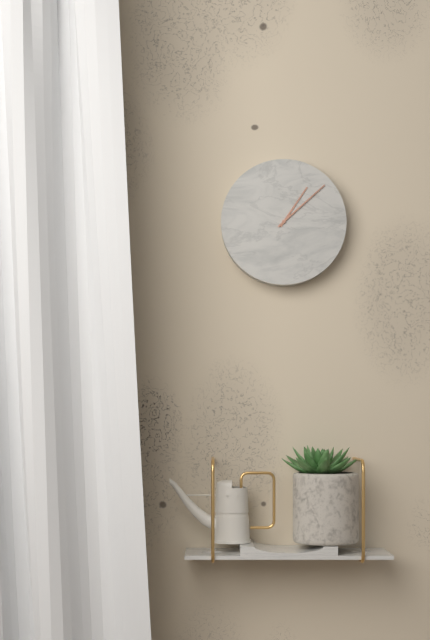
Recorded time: 1h08
